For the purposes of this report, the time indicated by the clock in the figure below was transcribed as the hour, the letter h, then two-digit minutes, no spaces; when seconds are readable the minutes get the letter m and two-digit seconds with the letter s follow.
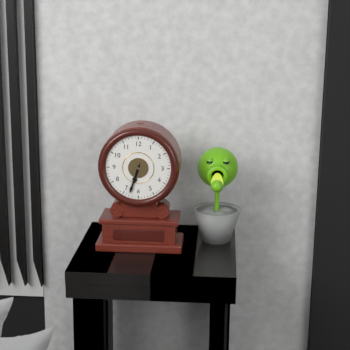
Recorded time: 6h33
